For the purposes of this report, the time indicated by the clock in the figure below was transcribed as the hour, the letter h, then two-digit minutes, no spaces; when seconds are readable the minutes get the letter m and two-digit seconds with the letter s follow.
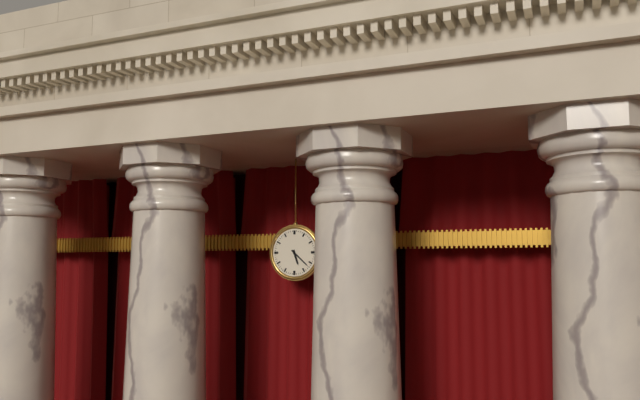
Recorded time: 5h22
